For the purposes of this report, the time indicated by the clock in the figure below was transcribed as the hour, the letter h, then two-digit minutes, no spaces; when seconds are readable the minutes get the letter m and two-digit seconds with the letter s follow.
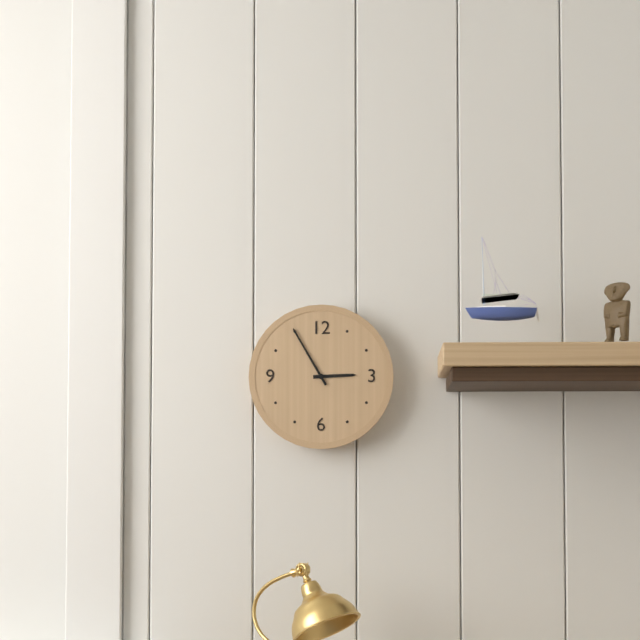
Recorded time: 2h55
